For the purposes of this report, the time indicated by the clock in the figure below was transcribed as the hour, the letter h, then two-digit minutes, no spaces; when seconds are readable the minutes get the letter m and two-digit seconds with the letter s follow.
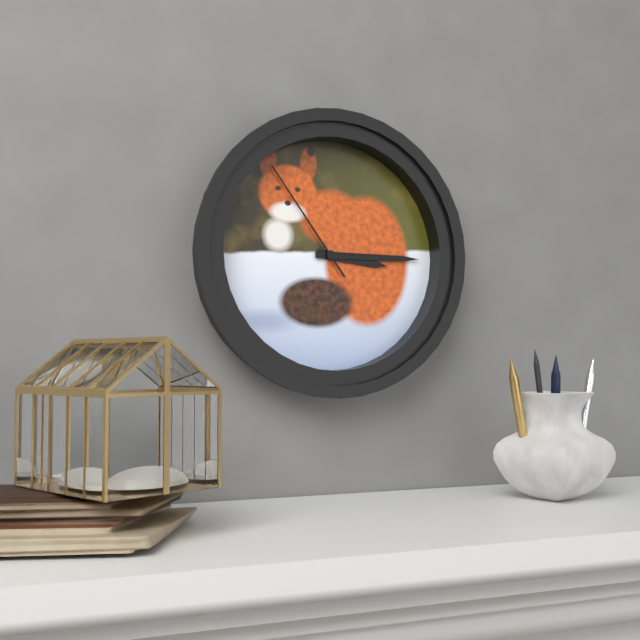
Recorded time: 3h15m54s
